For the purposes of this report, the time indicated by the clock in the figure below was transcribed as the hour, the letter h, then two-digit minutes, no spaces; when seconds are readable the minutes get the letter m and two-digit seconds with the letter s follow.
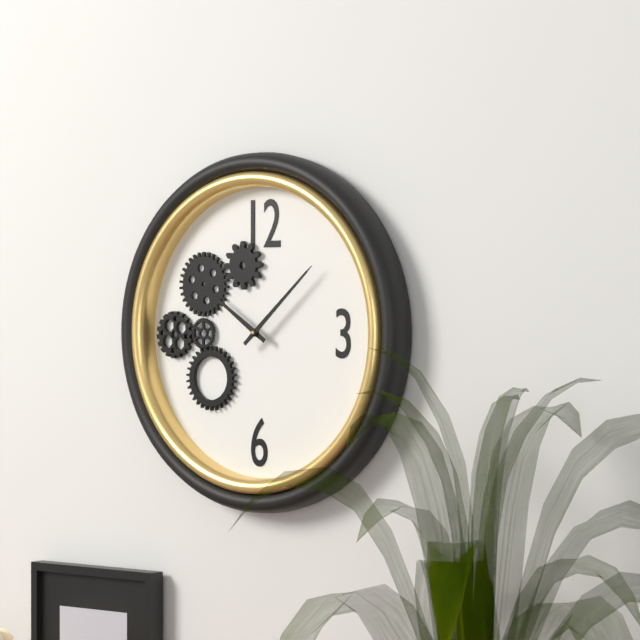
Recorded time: 10h08
